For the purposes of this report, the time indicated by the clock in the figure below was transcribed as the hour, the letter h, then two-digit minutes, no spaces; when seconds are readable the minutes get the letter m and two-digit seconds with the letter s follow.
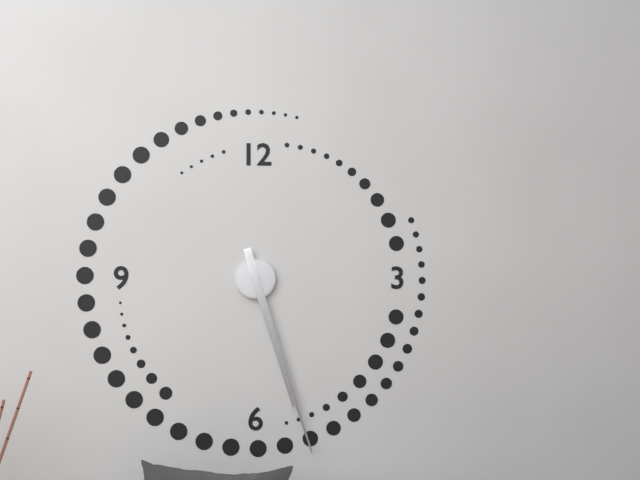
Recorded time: 5h27
